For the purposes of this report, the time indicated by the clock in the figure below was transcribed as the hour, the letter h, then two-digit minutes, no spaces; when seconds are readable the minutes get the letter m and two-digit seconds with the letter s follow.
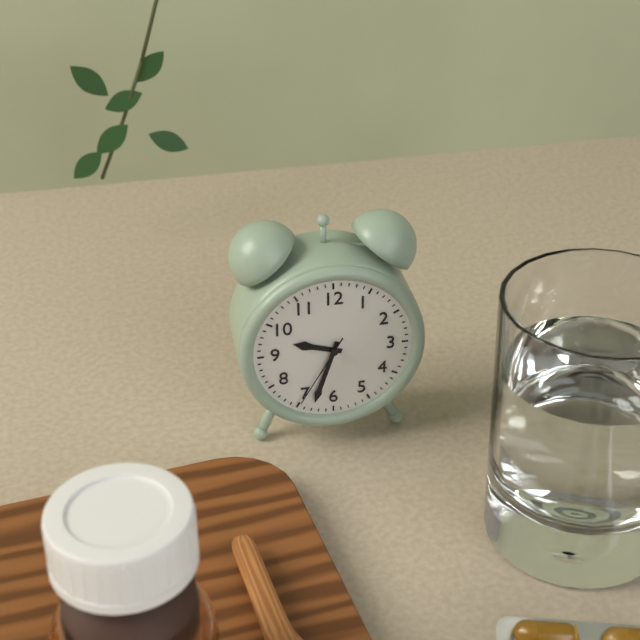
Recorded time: 9h33m35s
